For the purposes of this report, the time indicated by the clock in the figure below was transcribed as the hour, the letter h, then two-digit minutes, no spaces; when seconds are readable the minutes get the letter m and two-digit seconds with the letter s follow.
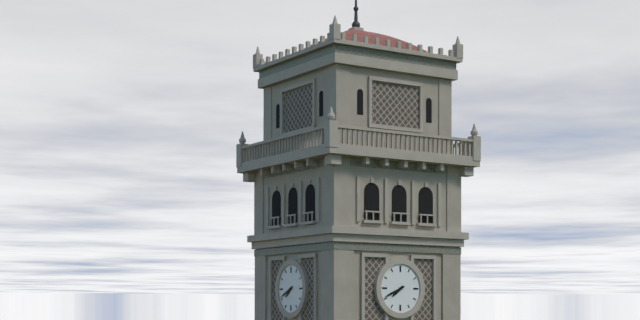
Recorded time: 7h41
